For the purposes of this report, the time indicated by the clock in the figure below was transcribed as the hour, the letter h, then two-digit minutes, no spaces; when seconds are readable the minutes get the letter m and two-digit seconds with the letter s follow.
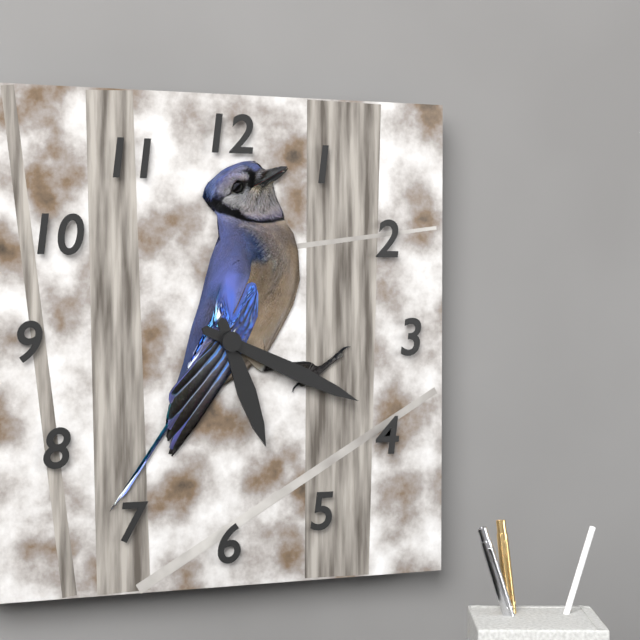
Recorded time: 5h19
